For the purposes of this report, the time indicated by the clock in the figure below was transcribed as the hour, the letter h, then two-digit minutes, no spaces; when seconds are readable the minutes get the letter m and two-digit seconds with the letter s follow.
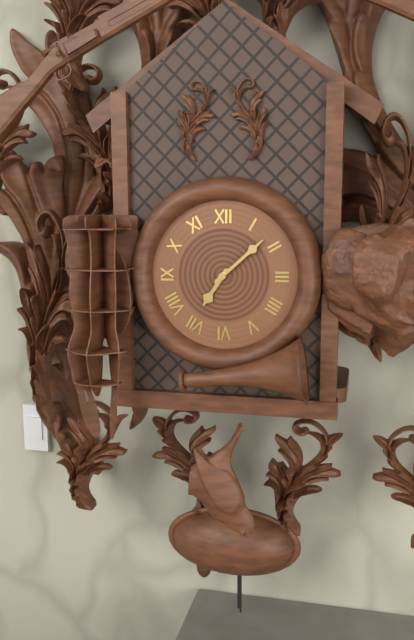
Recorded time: 7h08
